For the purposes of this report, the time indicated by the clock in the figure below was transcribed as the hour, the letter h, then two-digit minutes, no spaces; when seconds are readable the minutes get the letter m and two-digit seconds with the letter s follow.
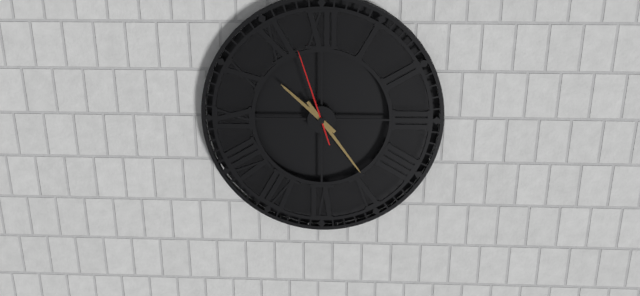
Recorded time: 10h24m57s
